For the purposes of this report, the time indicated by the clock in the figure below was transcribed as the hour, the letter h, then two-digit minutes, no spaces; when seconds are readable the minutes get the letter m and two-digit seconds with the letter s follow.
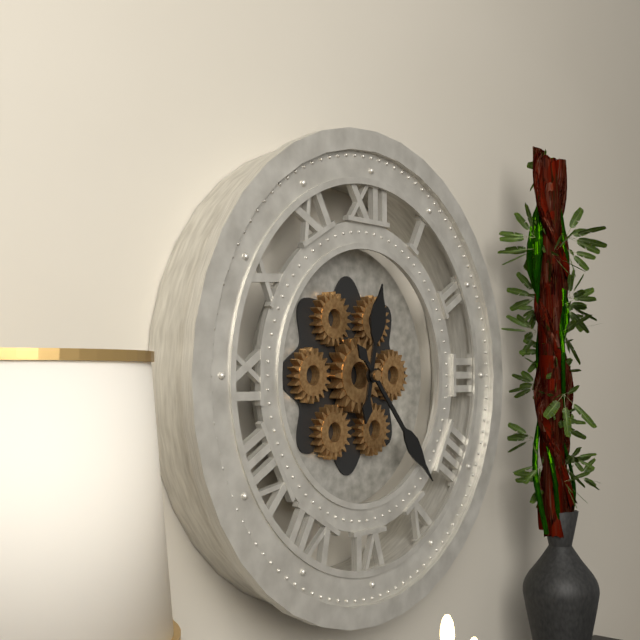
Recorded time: 12h23
